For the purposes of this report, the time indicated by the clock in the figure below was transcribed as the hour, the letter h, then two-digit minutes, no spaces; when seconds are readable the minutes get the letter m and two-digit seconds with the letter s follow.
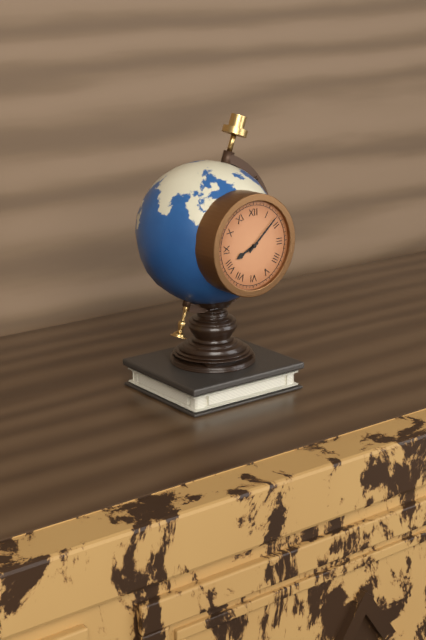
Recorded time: 8h08
